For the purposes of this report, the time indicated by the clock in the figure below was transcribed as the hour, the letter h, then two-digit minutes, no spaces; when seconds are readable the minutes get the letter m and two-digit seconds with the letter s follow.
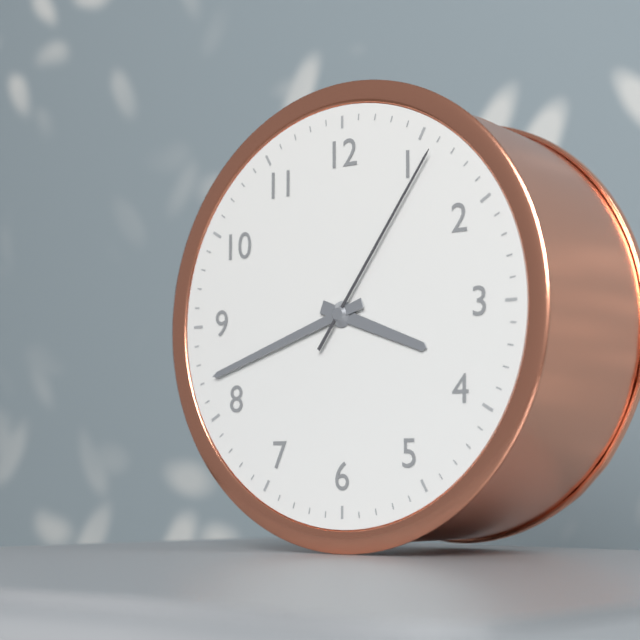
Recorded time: 3h42m06s
